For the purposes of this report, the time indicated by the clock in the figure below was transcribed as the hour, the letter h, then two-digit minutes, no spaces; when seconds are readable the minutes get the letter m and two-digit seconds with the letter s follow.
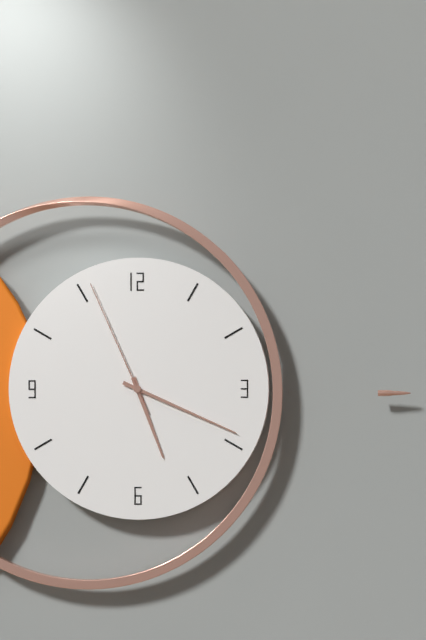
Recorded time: 5h19m56s
